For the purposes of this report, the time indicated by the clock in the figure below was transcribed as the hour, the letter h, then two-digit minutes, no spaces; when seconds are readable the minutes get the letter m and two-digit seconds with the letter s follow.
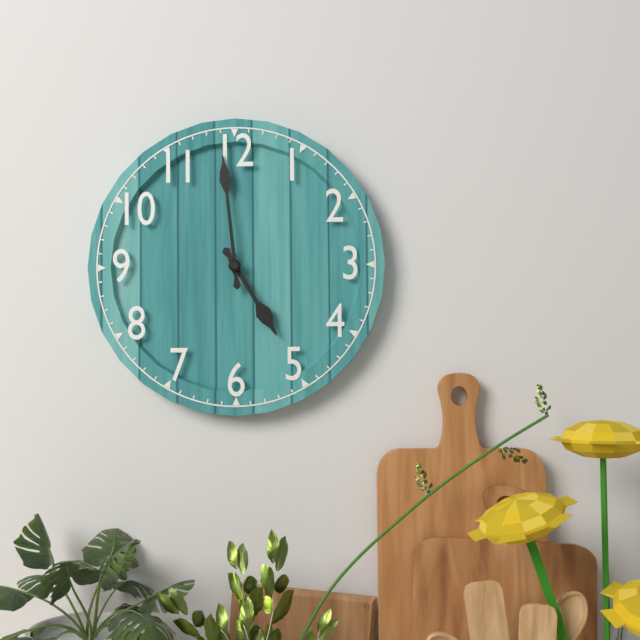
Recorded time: 4h59
